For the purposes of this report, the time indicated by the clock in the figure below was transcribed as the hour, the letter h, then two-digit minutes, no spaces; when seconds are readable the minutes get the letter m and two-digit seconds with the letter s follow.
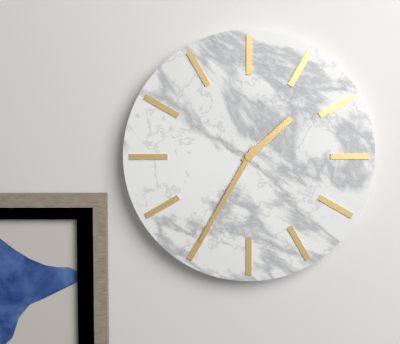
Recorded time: 1h35
